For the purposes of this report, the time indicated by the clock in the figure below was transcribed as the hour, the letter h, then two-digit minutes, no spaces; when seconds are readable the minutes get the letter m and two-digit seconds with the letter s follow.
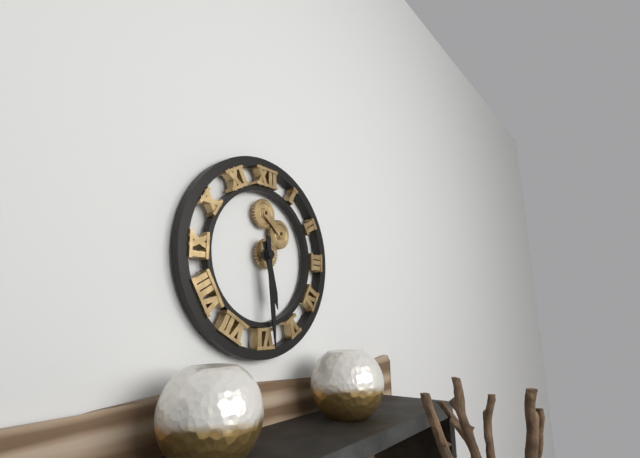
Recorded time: 5h29
